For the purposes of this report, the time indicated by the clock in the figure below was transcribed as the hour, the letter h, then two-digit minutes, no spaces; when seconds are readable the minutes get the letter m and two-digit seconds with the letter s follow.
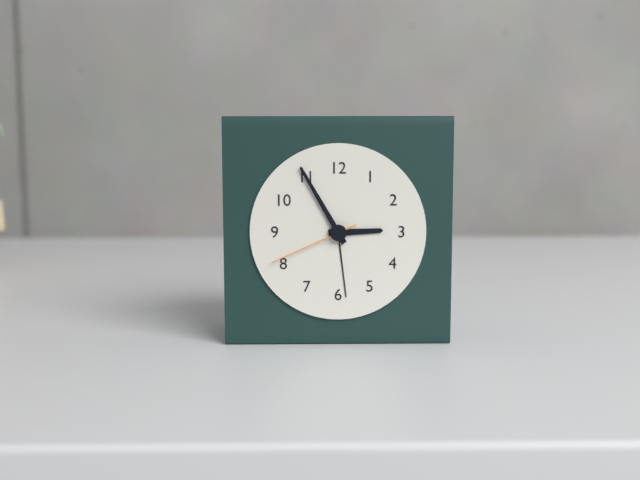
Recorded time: 2h55m41s
